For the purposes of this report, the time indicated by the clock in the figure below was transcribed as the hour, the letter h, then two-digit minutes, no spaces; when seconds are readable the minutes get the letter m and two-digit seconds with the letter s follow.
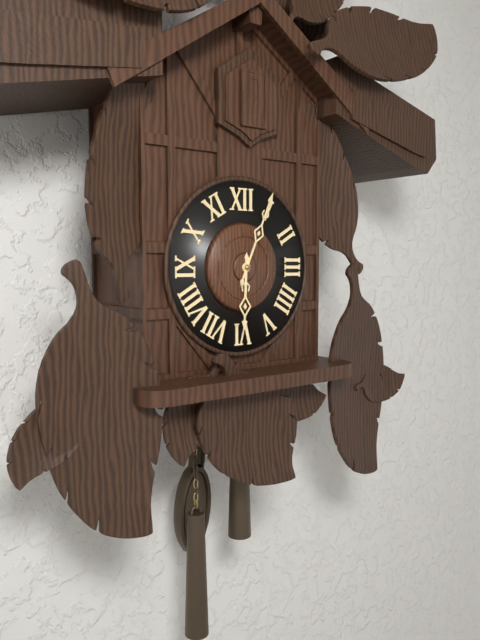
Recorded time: 6h04
